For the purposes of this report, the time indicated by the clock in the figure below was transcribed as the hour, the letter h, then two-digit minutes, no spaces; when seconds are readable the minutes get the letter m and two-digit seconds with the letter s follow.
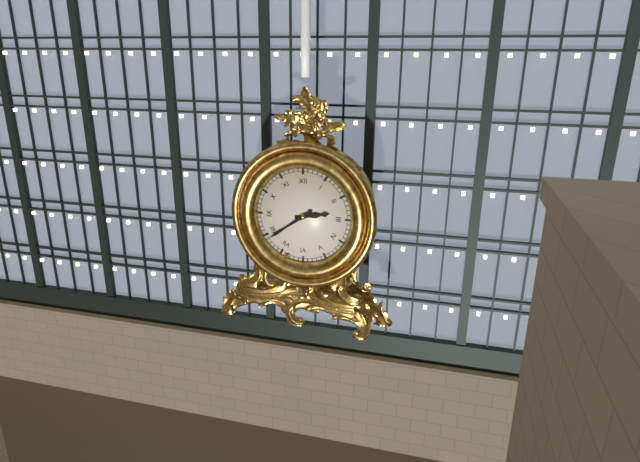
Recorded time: 2h39
